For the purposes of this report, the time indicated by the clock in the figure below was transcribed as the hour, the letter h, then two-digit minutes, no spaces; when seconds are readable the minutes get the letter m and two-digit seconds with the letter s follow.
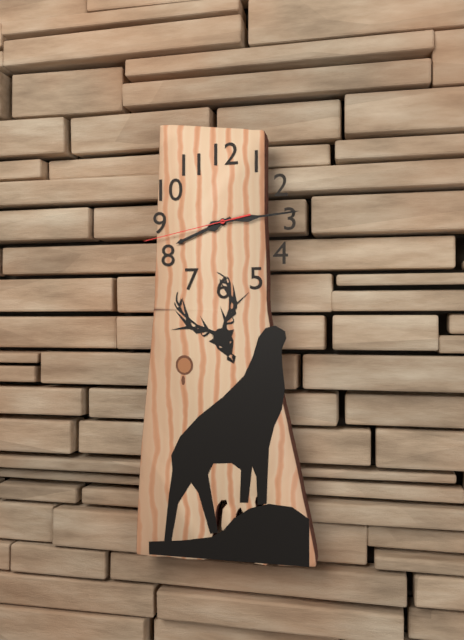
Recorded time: 8h14m43s
